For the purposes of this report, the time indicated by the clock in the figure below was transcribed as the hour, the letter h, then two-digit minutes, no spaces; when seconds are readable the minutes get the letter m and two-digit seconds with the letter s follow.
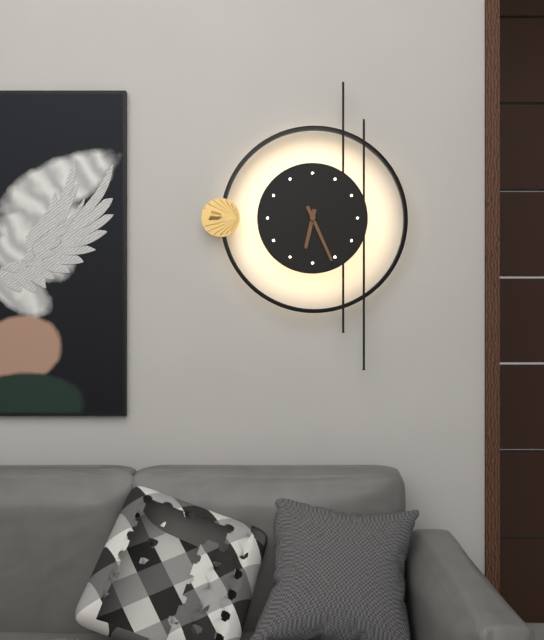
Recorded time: 6h26
